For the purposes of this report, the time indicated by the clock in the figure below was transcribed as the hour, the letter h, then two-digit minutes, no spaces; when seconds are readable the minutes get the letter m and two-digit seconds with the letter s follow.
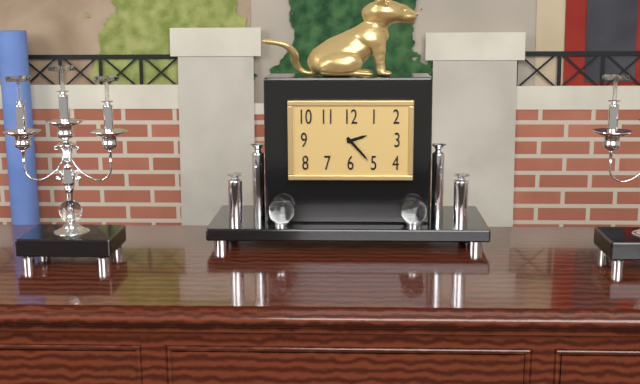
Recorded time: 2h23
